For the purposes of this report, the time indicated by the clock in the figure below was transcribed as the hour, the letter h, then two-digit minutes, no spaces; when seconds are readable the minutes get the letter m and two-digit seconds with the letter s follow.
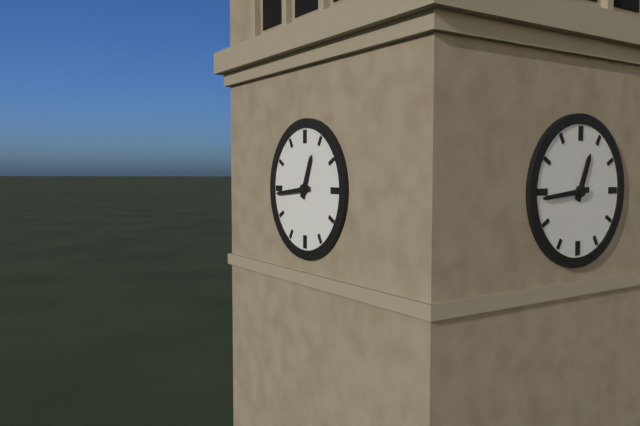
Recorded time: 12h44
